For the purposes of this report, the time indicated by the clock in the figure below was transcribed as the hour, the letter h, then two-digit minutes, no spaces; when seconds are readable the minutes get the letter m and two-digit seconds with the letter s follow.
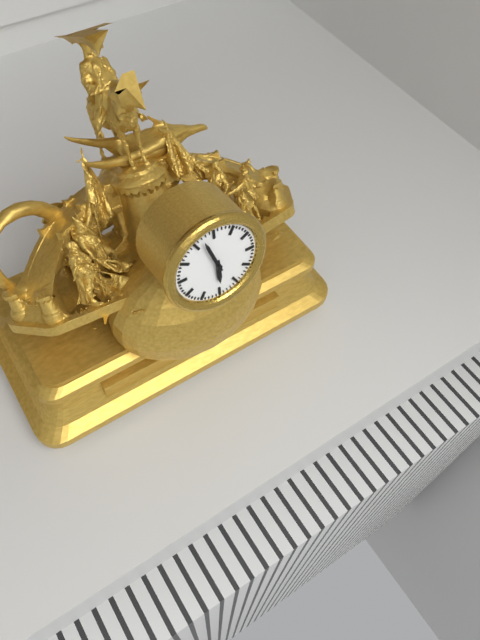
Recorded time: 5h57
